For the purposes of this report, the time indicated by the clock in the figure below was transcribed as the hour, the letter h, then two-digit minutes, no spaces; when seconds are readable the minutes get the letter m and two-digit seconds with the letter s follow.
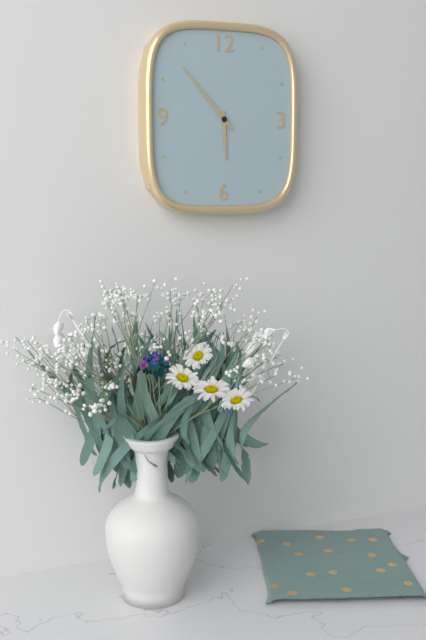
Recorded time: 5h53
